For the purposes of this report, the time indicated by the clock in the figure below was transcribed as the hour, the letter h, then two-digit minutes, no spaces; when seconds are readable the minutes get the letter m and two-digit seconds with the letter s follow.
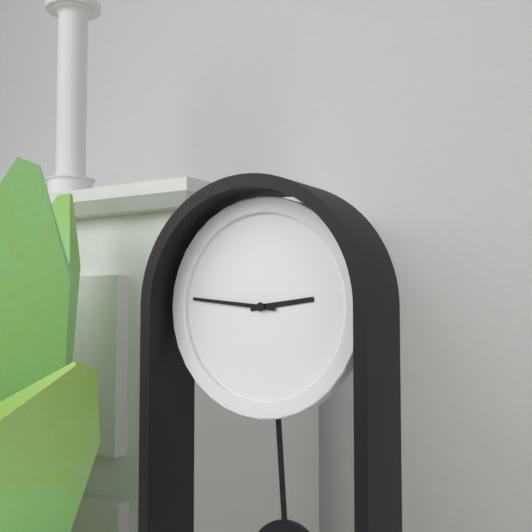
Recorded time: 2h46
